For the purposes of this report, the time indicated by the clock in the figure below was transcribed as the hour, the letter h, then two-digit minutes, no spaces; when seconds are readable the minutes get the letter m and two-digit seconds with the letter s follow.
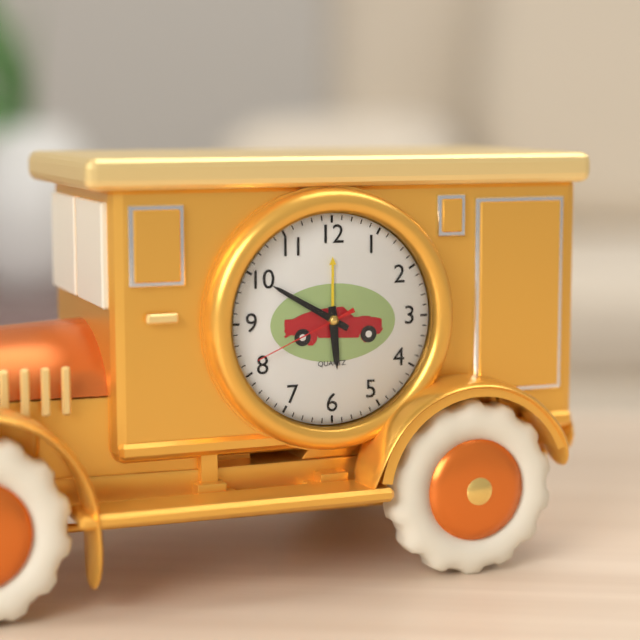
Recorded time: 5h50m41s
